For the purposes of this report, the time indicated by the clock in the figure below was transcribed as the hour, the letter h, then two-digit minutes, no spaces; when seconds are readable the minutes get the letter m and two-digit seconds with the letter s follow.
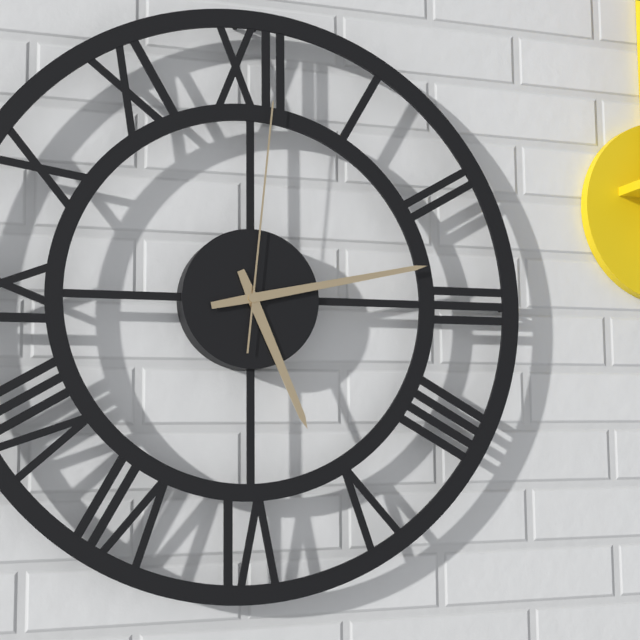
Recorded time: 5h13m01s
